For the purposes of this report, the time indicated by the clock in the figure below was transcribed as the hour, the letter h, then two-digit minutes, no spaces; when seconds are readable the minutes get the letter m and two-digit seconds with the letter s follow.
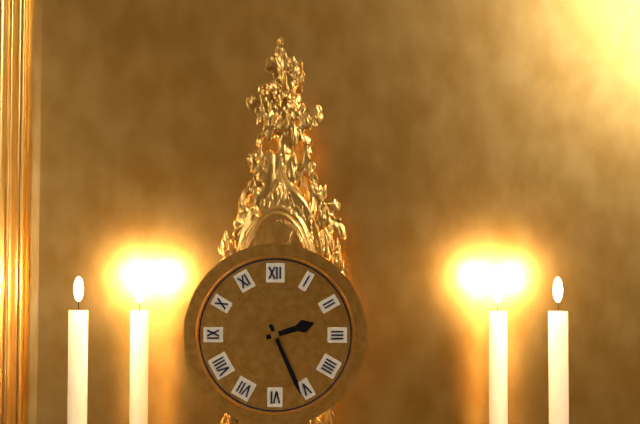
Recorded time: 2h26
